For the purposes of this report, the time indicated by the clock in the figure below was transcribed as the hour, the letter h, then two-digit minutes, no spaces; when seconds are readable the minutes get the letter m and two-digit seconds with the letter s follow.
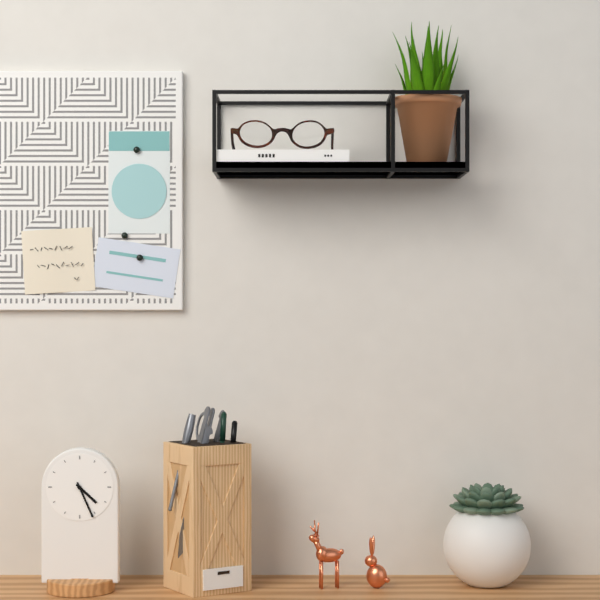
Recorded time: 4h26
